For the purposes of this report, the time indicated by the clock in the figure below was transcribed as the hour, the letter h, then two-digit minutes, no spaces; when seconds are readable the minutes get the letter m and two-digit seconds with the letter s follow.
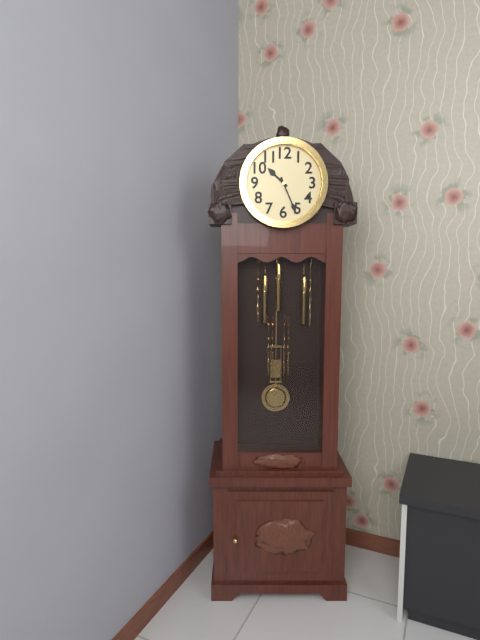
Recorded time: 10h26
